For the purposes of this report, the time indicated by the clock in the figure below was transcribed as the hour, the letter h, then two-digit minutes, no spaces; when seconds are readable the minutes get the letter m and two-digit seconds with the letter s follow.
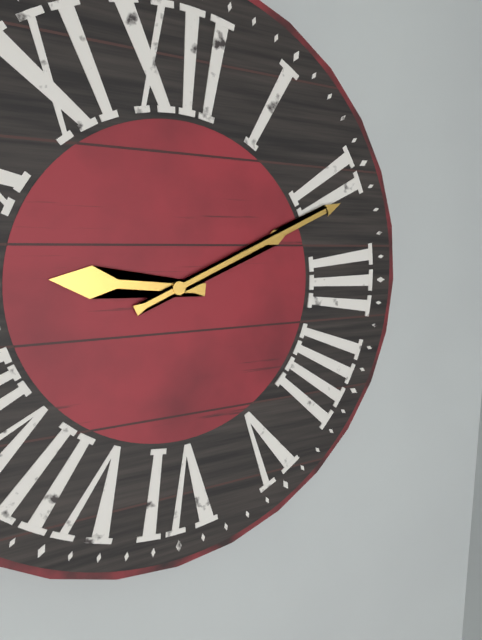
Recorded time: 9h11
